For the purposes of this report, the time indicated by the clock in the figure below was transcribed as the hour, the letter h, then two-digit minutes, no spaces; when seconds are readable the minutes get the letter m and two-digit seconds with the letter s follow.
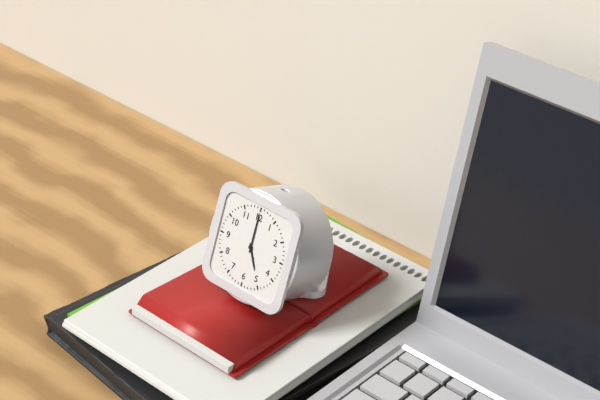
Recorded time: 5h00
